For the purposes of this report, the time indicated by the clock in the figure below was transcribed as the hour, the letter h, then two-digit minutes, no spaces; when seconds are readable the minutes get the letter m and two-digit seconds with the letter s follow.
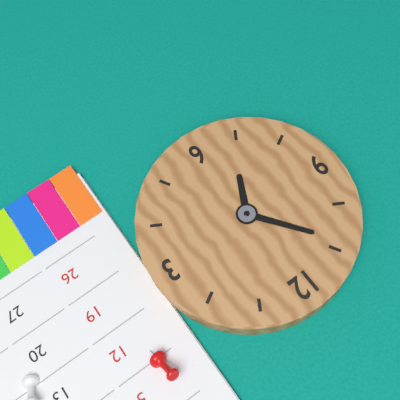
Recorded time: 6h54
